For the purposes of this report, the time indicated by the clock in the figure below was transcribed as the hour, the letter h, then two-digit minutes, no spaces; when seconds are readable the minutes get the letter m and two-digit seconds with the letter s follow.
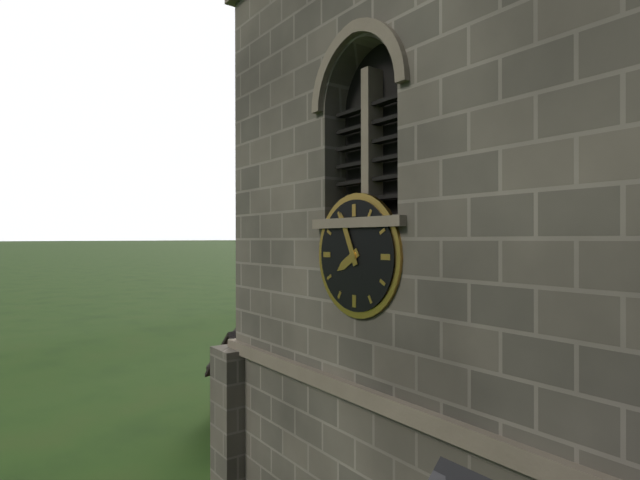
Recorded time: 7h56
